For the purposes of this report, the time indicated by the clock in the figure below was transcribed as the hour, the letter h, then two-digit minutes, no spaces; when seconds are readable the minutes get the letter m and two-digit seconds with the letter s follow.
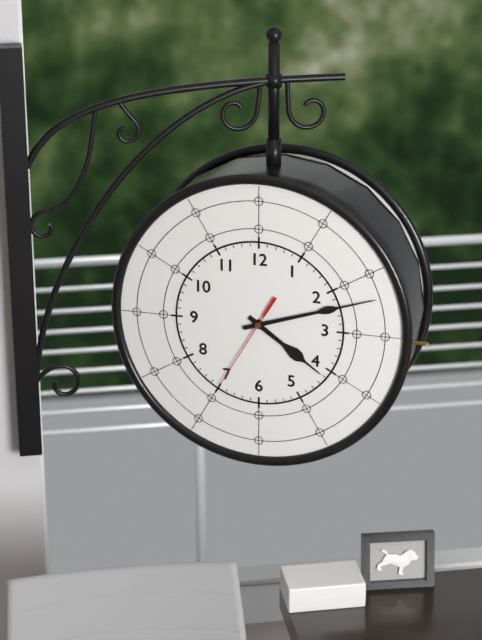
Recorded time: 4h12m35s
